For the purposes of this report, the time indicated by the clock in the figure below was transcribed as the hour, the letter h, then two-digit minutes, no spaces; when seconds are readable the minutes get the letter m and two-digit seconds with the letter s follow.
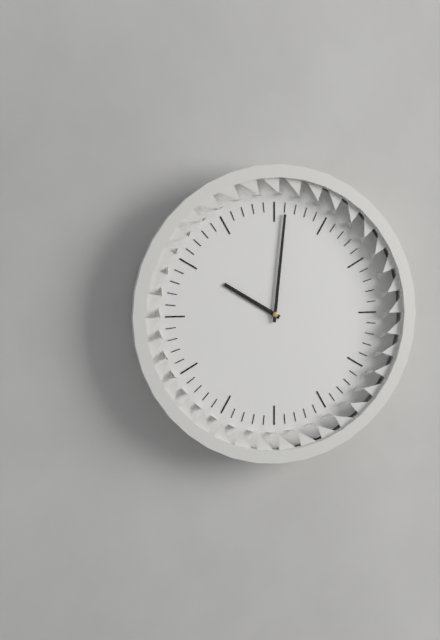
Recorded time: 10h01
